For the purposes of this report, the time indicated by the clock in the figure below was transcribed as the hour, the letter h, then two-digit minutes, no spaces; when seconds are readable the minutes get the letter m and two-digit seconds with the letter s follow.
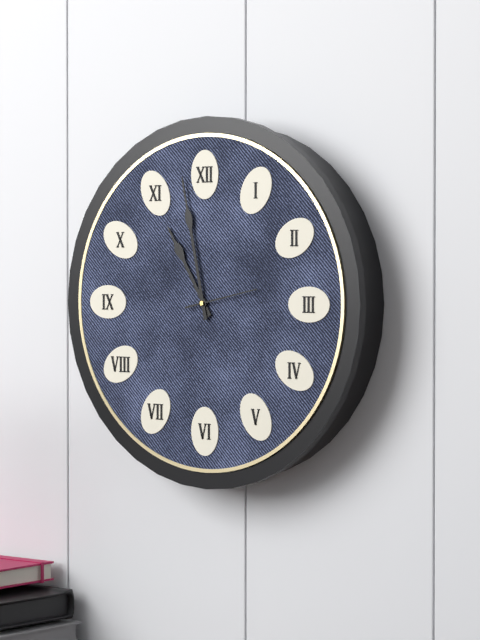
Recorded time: 10h58m13s
